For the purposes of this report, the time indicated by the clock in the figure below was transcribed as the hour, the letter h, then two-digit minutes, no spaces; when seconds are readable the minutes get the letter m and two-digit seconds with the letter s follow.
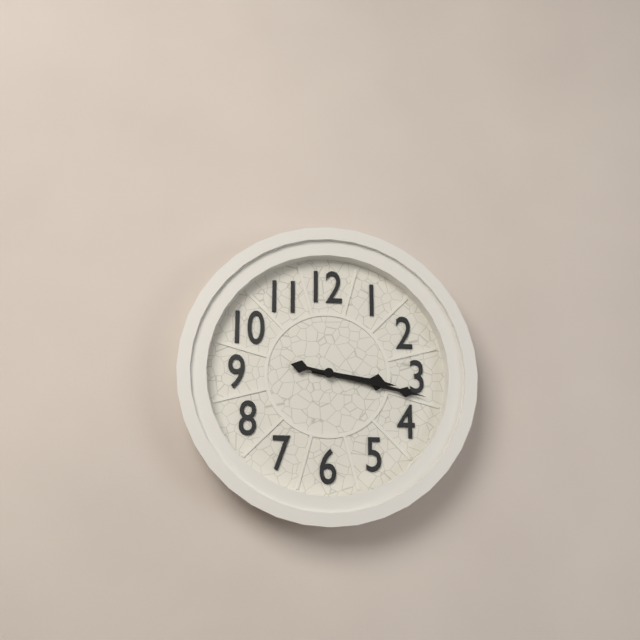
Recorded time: 3h17
